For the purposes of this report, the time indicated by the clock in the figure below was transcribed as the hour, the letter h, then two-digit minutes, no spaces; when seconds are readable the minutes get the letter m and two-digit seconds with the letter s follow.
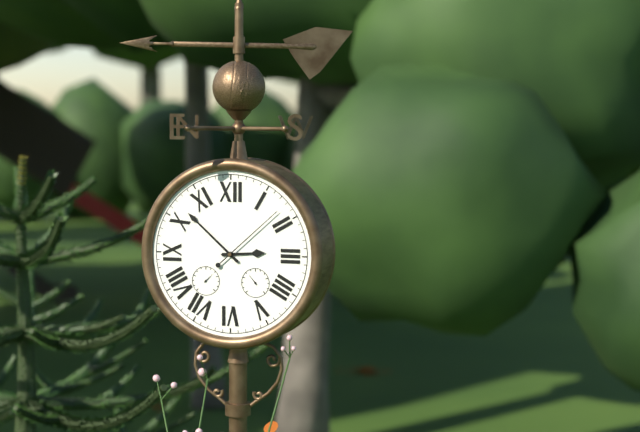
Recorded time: 2h52m08s
